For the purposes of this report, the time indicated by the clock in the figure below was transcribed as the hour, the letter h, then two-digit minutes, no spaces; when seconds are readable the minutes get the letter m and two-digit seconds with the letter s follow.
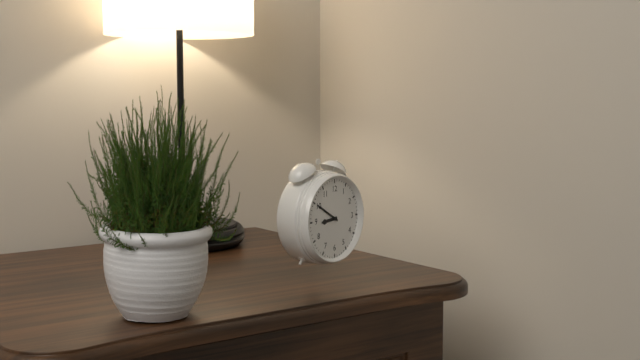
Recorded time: 8h50
